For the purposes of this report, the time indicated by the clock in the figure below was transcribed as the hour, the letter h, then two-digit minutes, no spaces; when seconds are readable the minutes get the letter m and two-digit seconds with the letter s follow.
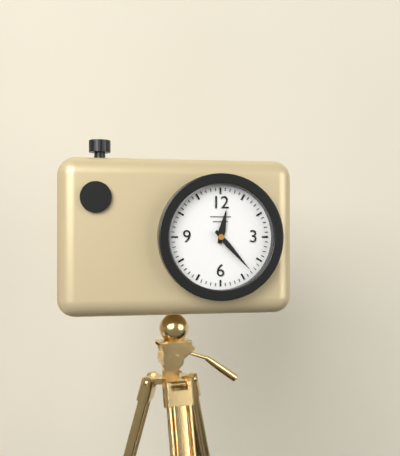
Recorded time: 12h23
